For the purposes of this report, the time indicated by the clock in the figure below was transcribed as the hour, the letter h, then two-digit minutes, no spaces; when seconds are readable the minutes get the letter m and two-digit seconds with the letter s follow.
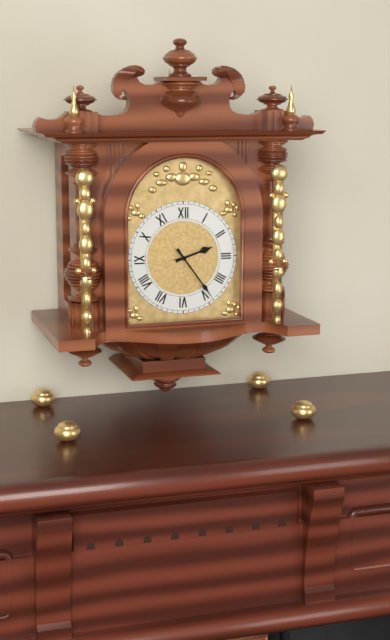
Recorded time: 2h24
